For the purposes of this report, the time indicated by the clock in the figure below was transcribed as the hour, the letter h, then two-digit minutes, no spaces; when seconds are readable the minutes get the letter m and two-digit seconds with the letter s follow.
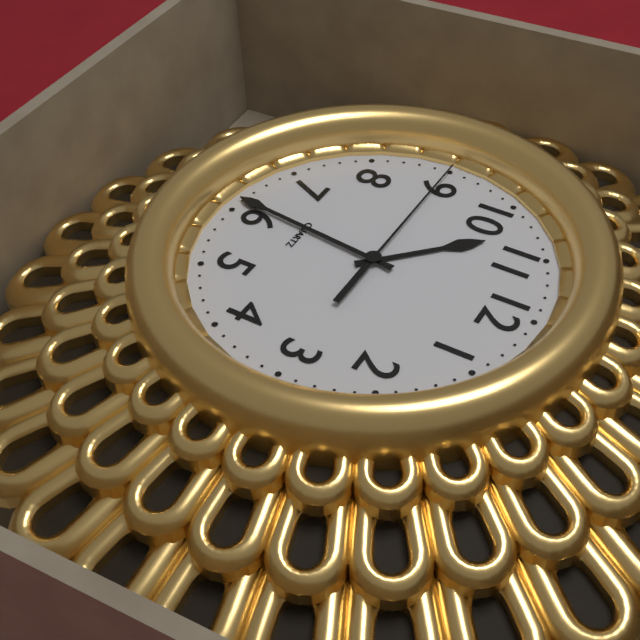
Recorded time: 10h31m45s
